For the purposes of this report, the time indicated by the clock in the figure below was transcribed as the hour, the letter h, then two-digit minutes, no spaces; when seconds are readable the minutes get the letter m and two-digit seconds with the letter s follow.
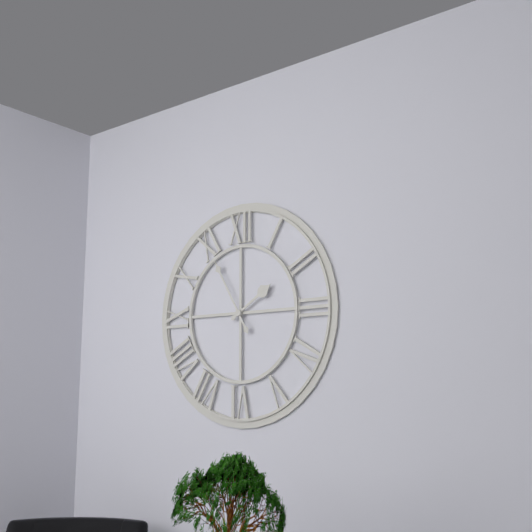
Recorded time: 1h55
